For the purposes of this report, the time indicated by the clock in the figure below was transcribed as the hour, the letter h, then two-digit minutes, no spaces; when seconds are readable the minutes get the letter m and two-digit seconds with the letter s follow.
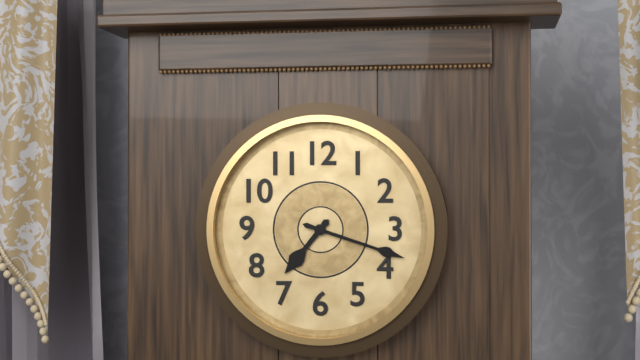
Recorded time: 7h18
